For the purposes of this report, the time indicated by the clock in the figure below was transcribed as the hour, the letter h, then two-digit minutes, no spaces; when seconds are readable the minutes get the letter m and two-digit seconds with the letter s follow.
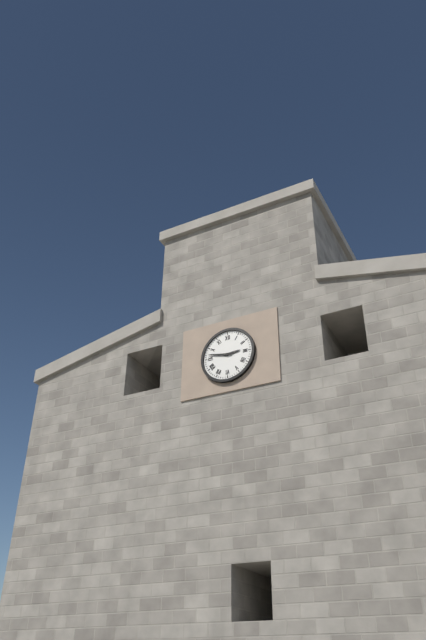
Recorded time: 2h47
